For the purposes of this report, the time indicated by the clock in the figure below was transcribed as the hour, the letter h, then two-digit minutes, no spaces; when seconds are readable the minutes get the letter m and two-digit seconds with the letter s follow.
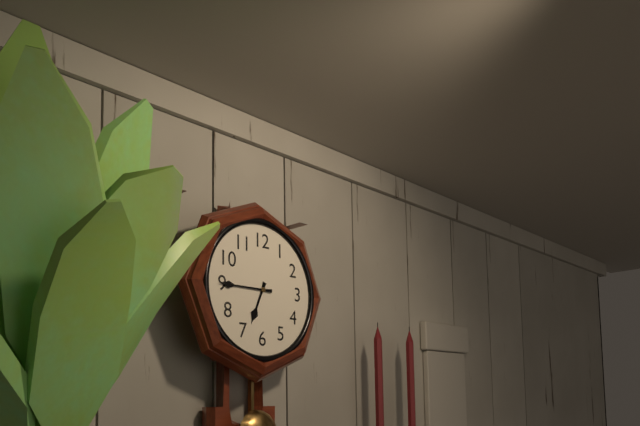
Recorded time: 6h45
